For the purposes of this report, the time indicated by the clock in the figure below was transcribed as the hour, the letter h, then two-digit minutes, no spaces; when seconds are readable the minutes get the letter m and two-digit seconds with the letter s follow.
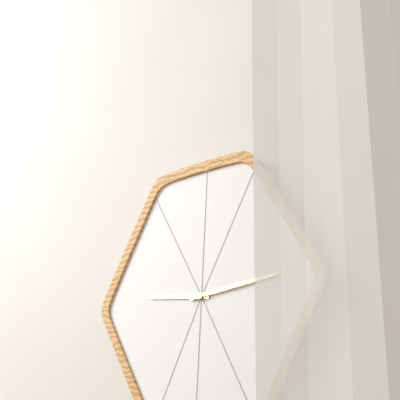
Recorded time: 9h14
